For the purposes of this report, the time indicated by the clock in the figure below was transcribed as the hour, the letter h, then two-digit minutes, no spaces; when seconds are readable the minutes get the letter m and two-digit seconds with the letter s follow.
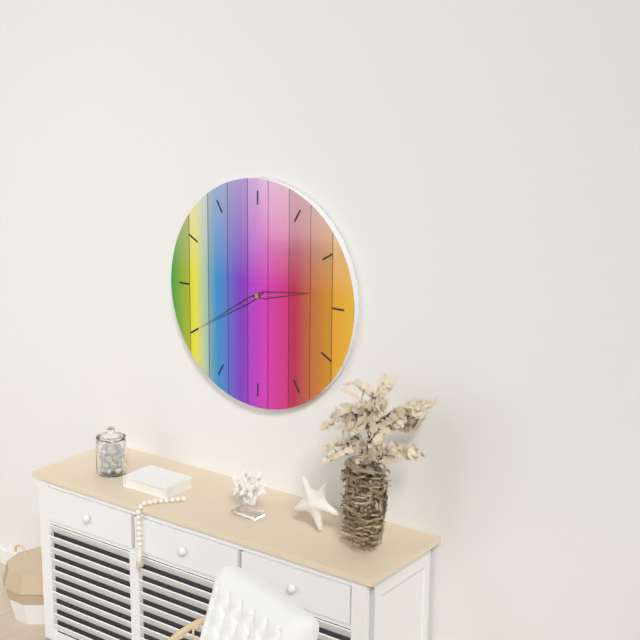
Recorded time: 2h40
